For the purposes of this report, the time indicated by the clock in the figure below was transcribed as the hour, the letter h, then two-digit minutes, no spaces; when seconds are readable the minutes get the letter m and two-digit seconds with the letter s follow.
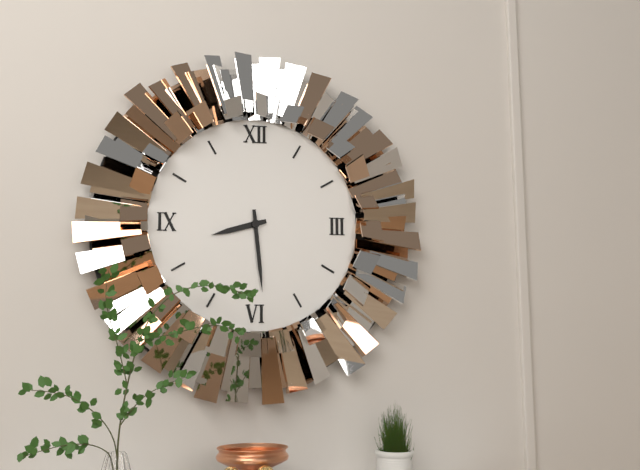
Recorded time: 8h29
